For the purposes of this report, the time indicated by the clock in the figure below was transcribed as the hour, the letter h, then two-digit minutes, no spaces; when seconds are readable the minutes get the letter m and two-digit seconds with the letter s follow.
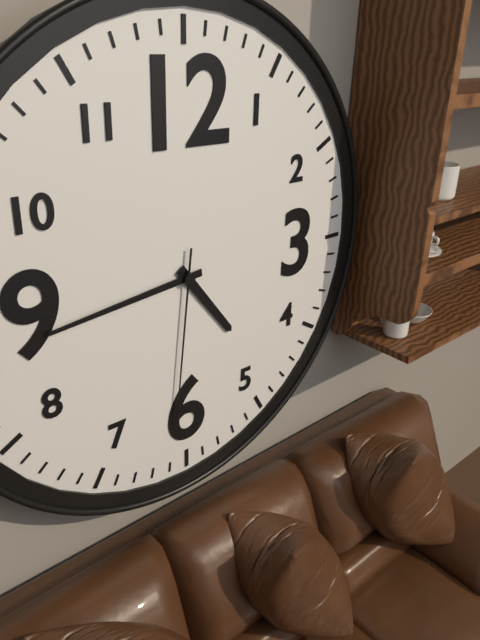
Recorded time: 4h44m31s
